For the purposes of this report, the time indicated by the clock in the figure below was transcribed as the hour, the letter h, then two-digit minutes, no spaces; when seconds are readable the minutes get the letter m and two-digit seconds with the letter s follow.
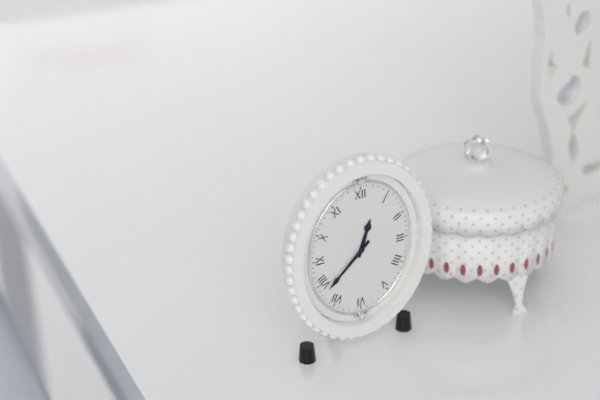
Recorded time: 12h38
